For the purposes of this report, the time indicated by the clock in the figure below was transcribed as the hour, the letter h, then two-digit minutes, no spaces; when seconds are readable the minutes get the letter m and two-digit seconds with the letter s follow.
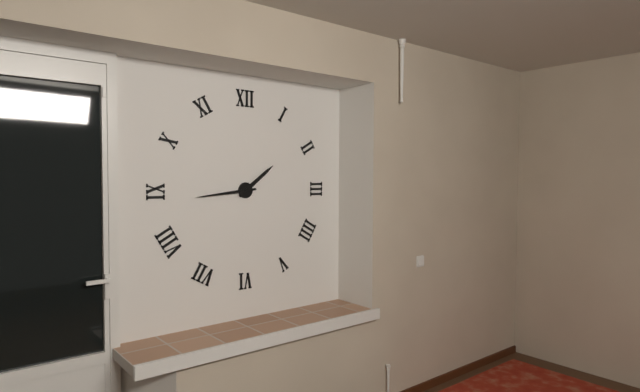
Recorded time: 1h44
